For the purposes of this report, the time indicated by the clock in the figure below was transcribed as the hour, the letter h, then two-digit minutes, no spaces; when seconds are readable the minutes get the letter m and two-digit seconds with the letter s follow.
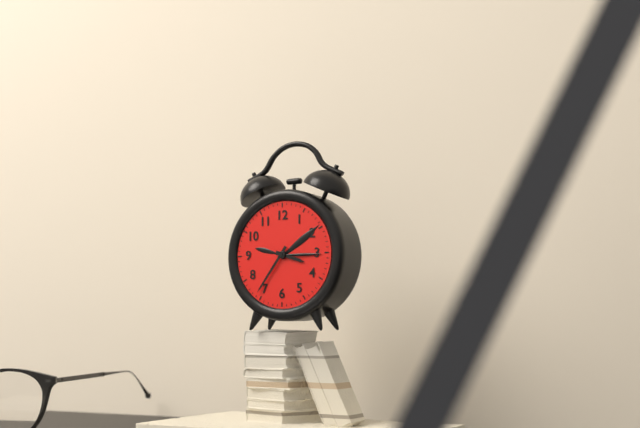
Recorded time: 3h36
